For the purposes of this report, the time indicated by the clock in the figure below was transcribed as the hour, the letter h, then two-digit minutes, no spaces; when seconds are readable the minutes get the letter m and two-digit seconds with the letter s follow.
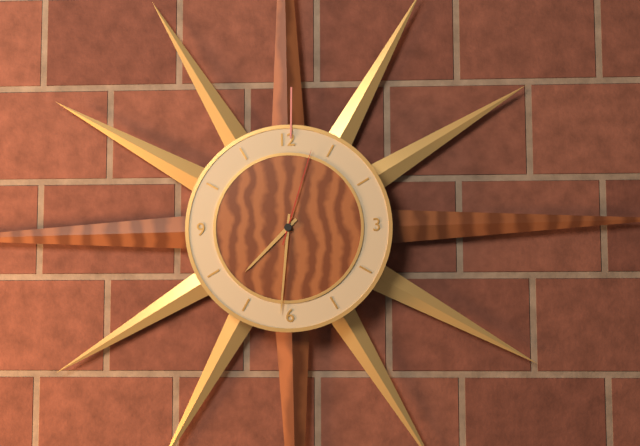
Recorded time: 7h31m03s
